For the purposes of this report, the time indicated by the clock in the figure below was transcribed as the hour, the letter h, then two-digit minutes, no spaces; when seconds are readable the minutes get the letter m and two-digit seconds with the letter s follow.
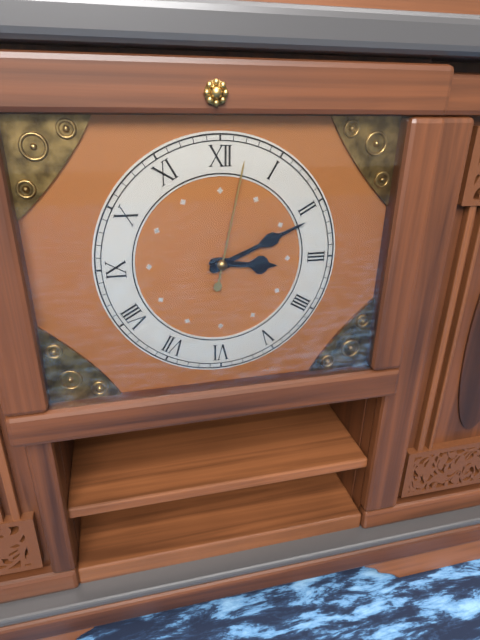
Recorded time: 3h11m02s
